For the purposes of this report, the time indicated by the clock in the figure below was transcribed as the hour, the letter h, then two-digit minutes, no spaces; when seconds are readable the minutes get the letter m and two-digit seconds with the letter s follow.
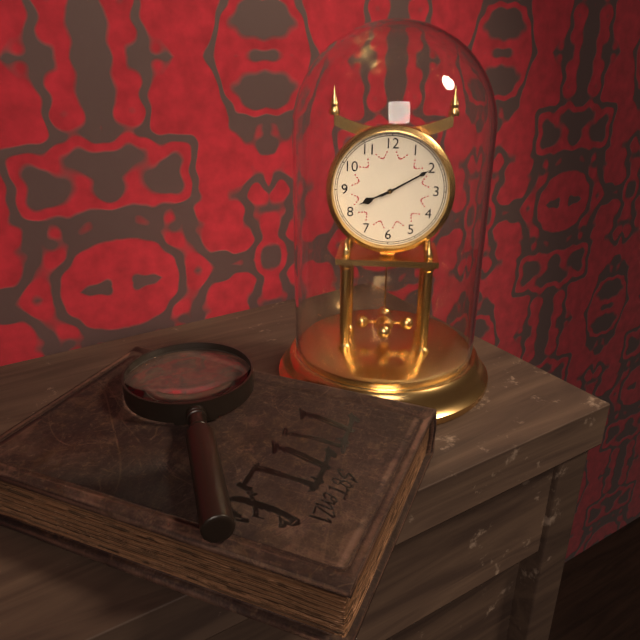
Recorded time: 8h10
